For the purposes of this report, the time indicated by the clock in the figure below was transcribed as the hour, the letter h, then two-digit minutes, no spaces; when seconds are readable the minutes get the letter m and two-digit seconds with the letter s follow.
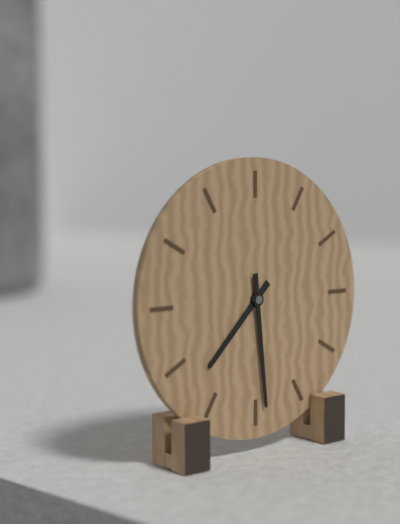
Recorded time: 7h29
